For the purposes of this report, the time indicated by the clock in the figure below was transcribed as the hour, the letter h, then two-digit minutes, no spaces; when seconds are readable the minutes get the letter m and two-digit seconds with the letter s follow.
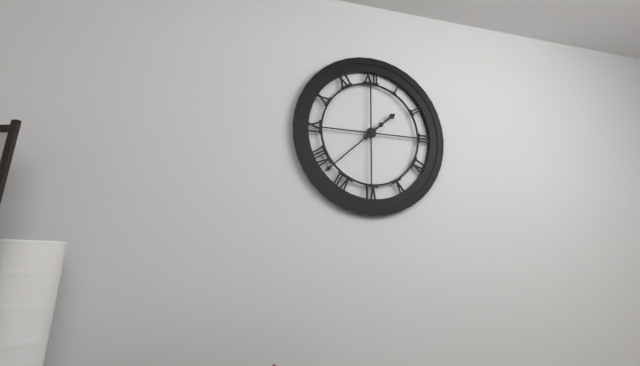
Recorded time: 1h38
